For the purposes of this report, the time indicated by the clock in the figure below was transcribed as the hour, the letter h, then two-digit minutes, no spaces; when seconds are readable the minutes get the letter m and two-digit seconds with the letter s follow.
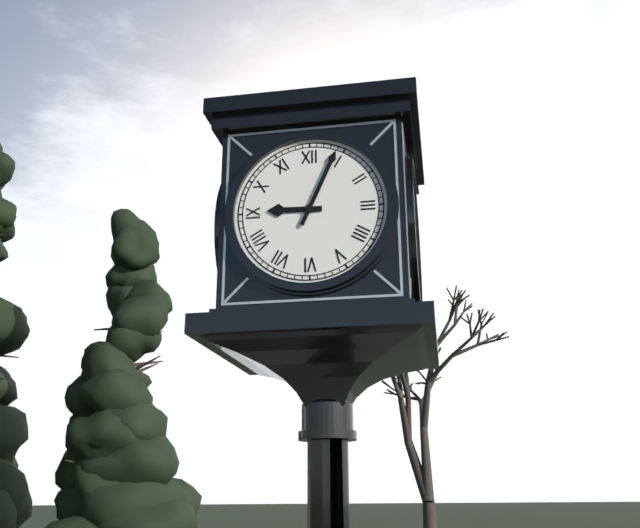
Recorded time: 9h04
